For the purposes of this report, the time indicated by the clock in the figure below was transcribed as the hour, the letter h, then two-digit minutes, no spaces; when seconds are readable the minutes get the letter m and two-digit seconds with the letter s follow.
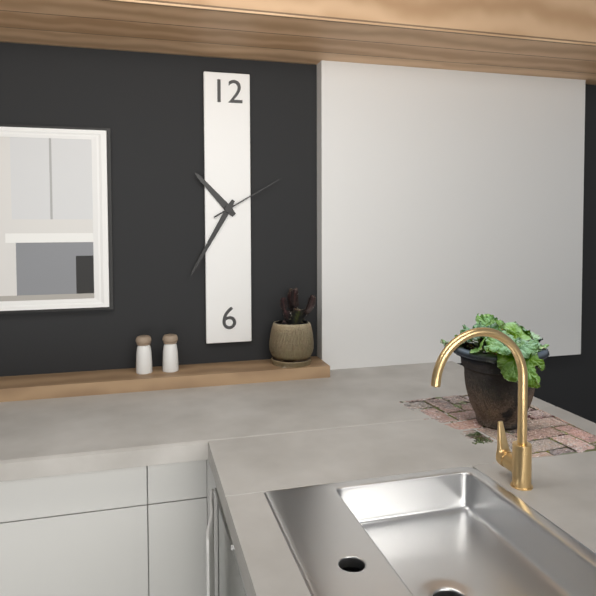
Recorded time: 10h35m10s
